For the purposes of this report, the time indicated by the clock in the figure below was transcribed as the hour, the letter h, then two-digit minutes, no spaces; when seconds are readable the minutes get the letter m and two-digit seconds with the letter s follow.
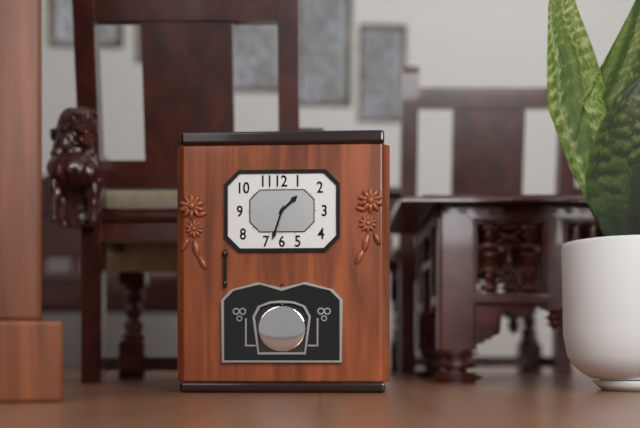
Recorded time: 1h33
